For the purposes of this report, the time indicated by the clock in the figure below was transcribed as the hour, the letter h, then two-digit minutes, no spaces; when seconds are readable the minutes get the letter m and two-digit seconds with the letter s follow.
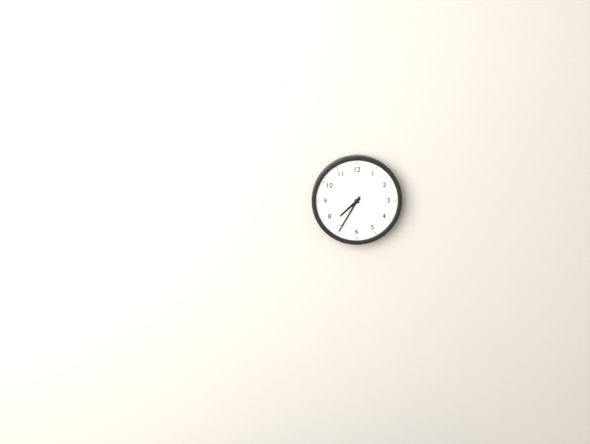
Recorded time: 7h35
